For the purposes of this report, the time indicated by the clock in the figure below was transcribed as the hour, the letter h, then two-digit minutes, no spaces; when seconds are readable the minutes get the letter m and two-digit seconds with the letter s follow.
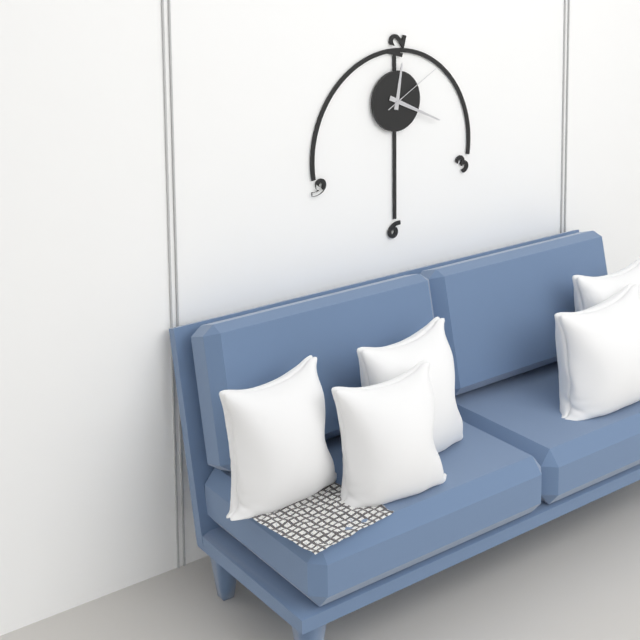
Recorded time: 12h19m10s
